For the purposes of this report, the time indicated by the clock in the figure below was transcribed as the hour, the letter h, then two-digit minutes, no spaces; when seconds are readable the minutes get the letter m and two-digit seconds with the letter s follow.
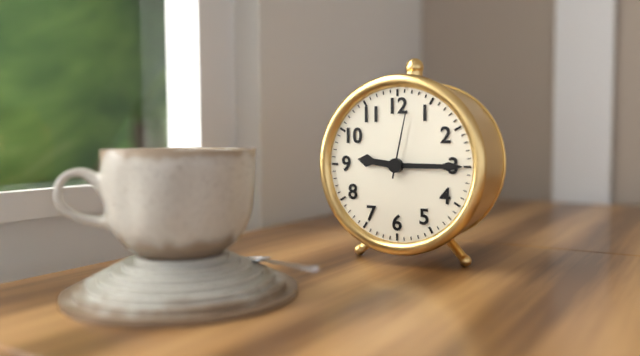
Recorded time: 9h15m02s
